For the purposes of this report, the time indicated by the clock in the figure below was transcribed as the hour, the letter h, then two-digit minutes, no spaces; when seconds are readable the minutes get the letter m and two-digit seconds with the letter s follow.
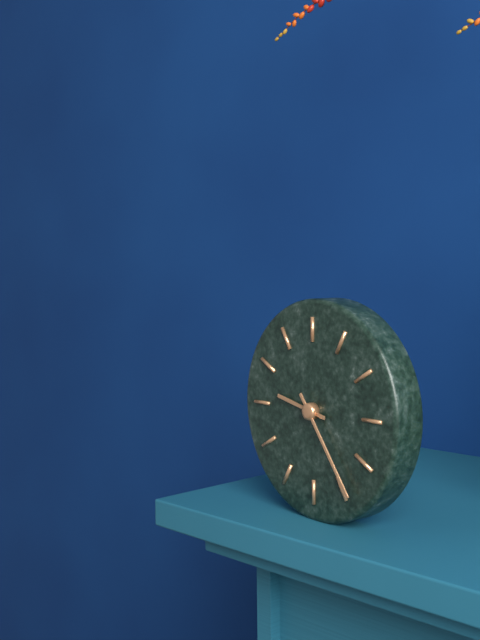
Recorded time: 9h24
